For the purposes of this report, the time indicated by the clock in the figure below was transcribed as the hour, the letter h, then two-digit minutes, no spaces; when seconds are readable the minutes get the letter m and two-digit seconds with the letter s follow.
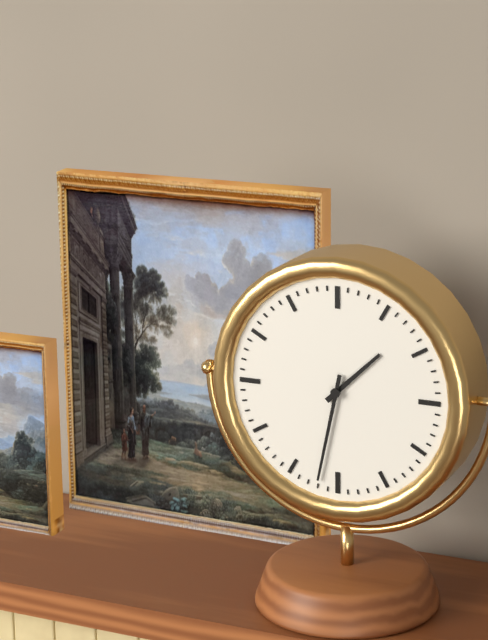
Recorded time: 1h32
